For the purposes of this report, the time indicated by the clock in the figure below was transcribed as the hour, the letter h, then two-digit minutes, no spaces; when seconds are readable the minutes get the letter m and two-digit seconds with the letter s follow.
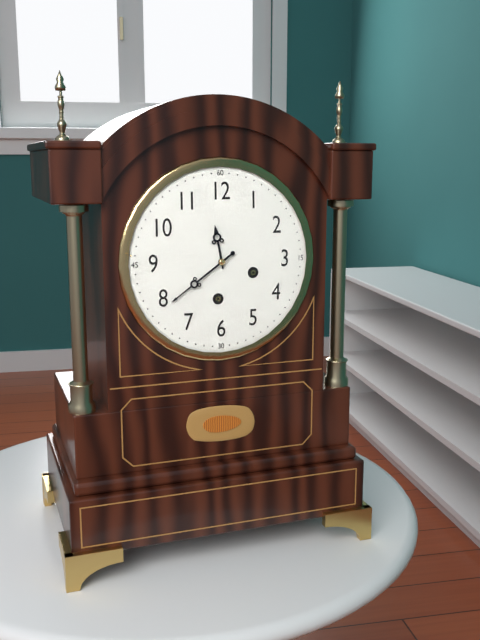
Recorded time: 11h39
